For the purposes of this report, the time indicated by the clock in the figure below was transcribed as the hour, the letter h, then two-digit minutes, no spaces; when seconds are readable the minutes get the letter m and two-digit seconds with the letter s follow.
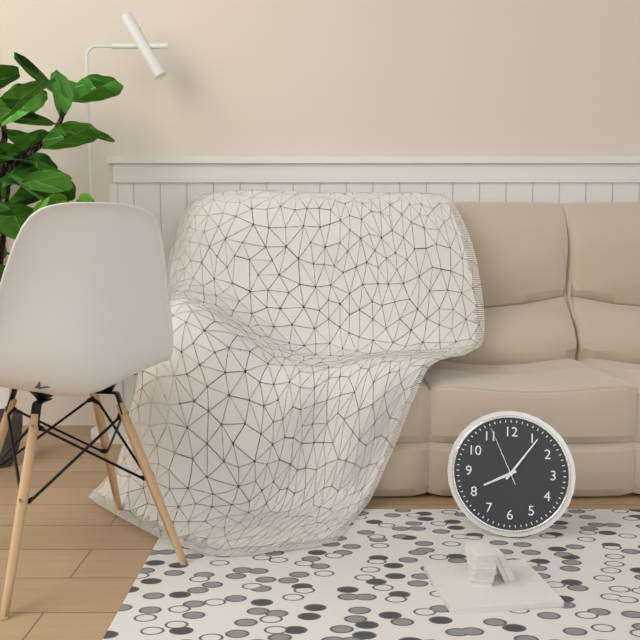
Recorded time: 8h06m56s
